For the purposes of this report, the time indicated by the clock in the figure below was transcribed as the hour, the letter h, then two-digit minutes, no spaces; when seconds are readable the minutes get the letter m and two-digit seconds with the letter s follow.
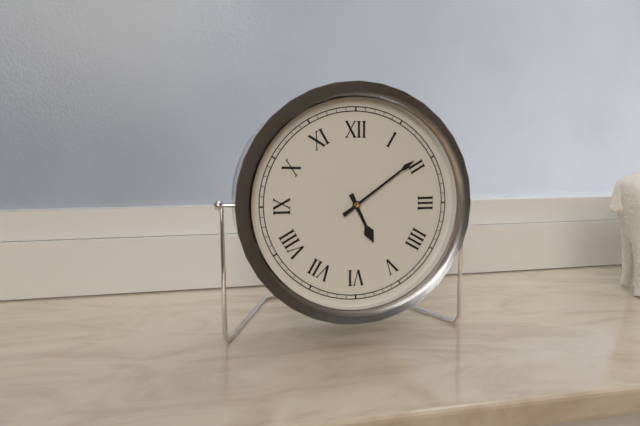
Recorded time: 5h09
